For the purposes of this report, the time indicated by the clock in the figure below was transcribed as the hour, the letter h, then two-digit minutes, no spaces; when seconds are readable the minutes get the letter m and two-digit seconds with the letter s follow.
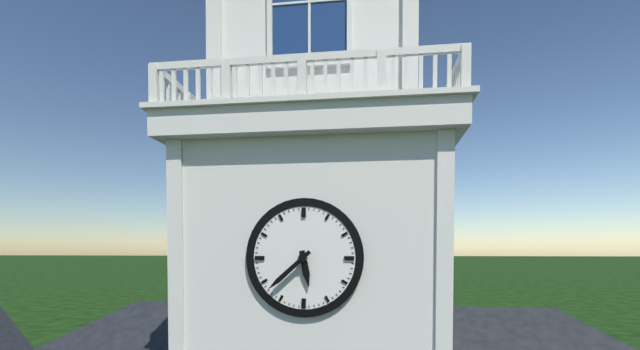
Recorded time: 5h38
